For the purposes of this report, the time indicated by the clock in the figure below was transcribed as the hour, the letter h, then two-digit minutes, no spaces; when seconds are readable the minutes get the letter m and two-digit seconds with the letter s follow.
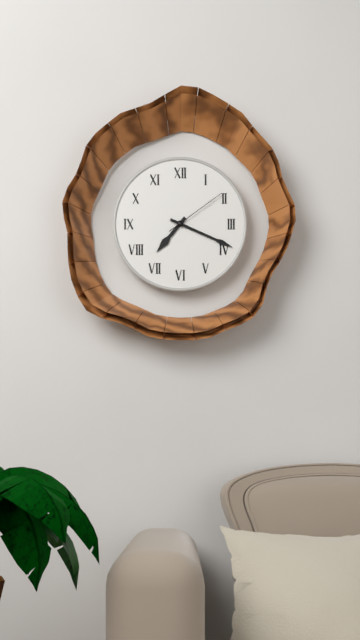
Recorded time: 7h19m09s
